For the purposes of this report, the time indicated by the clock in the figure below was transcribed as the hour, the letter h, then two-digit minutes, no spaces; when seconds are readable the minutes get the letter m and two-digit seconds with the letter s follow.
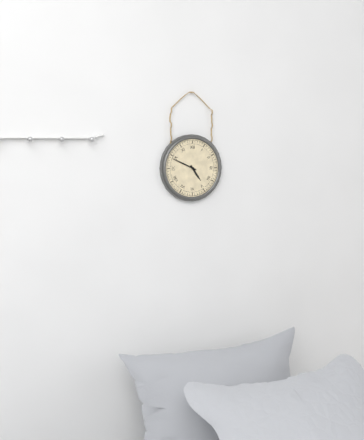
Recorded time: 4h49
